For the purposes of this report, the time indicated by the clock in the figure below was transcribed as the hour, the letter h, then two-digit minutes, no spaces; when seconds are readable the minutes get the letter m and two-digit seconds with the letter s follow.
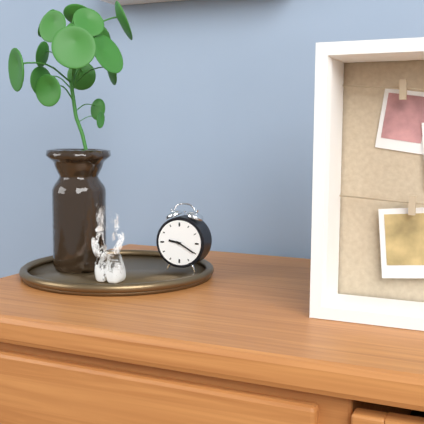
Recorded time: 9h20
